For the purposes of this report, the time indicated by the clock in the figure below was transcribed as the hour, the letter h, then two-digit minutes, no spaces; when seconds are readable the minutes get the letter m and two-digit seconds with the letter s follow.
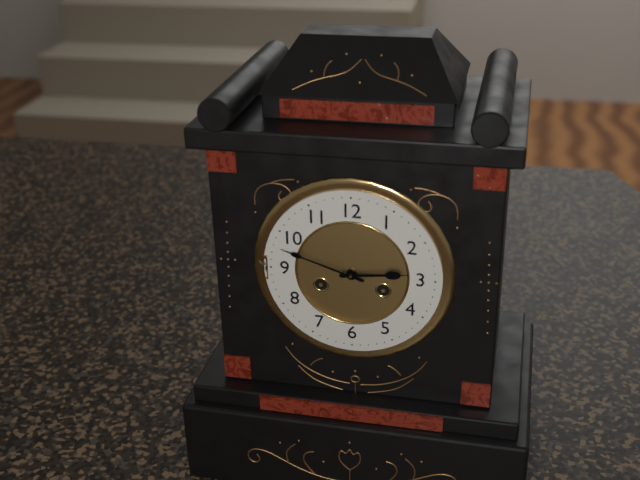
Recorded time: 2h48
